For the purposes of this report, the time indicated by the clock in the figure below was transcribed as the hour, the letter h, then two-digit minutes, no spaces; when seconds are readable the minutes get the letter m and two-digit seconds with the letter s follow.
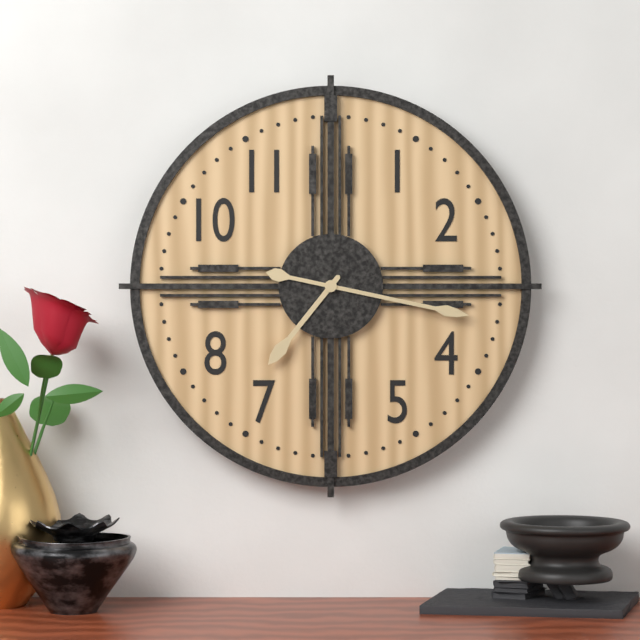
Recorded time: 7h17
